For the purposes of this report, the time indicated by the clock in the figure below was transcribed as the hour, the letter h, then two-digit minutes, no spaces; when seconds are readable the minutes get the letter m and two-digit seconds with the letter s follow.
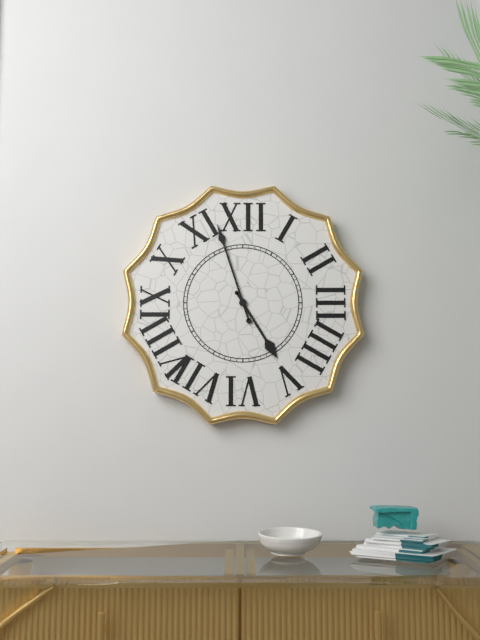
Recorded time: 4h57
